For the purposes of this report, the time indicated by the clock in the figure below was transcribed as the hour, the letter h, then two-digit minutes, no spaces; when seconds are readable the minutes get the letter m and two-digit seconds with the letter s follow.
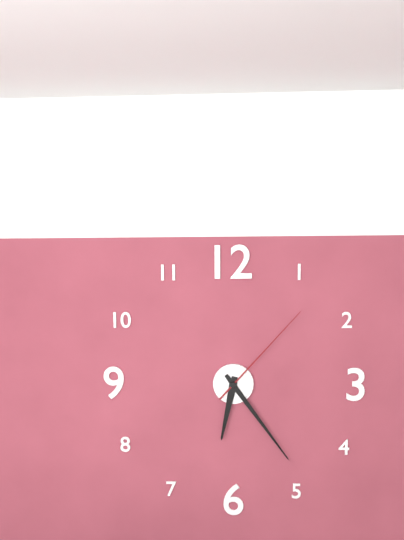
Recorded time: 6h24m07s
